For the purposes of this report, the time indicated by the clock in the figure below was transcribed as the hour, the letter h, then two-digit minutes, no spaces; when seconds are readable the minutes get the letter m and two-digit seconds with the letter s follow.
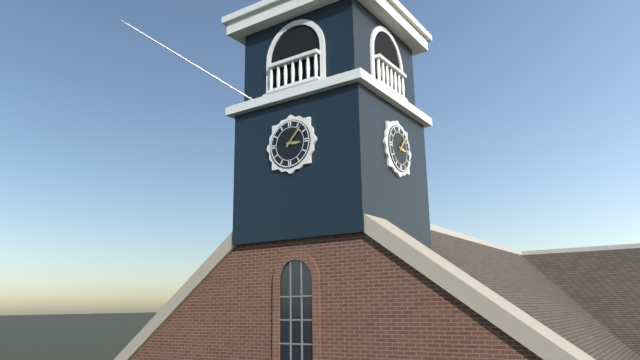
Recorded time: 3h07
